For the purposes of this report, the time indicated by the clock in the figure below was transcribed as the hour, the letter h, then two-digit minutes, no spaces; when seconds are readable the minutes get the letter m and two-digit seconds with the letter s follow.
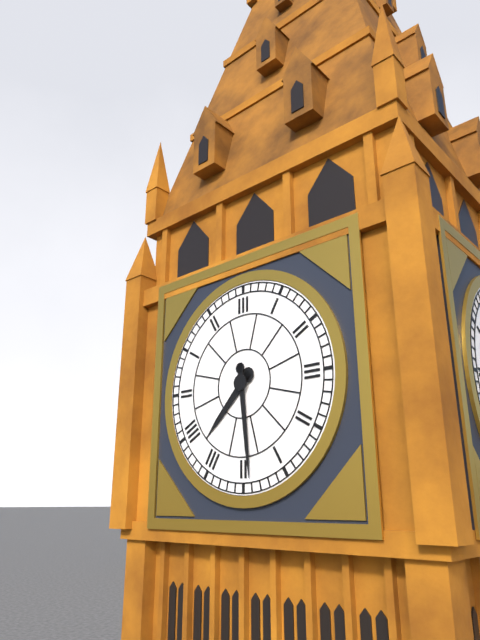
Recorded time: 7h29
